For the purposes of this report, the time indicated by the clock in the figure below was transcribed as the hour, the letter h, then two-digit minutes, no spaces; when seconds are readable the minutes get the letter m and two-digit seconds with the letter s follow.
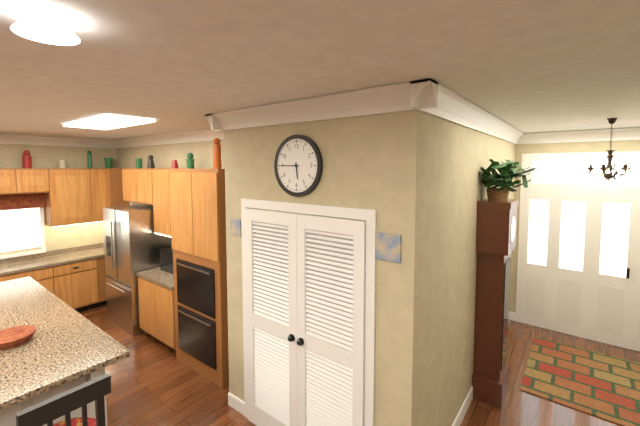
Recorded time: 5h45
